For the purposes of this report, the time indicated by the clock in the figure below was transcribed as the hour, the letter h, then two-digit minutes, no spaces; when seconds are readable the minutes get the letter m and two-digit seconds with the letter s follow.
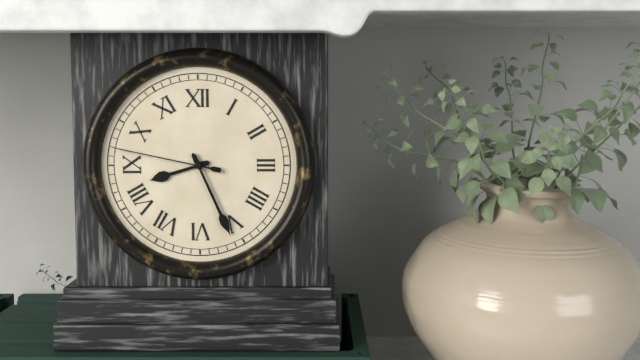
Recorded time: 8h26m47s
